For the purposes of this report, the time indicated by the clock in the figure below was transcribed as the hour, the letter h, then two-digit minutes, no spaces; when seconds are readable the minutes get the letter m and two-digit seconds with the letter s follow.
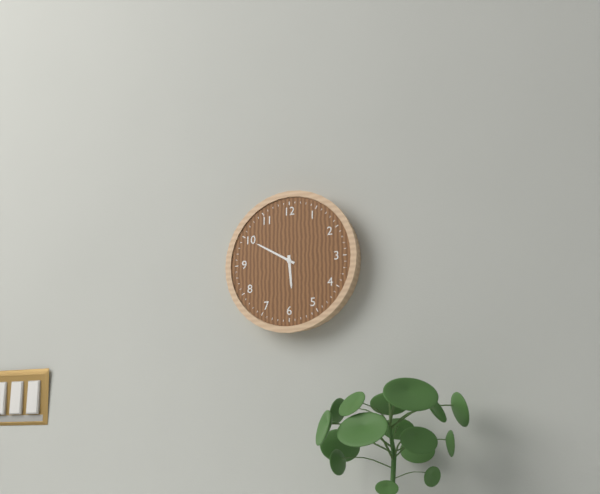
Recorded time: 5h50
